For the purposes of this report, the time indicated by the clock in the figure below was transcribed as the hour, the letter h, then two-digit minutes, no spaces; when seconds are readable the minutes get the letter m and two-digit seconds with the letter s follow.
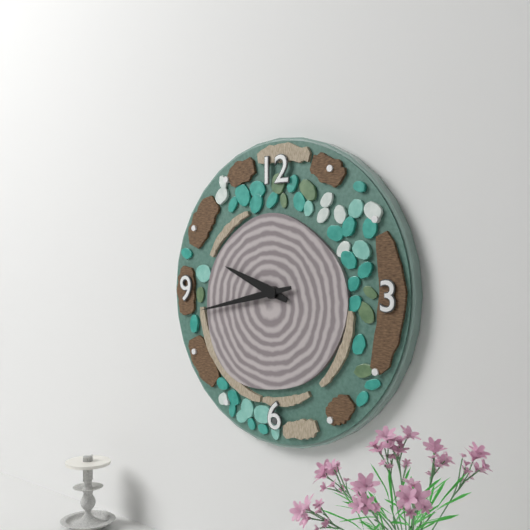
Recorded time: 9h43
